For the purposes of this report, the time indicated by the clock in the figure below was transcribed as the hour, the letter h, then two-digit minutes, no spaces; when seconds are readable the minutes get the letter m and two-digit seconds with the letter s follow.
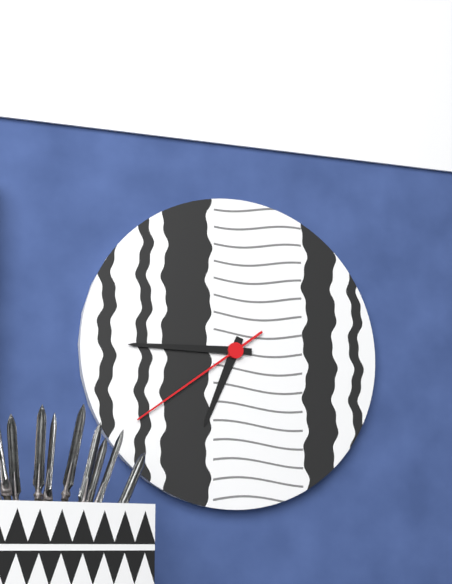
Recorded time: 6h45m39s
